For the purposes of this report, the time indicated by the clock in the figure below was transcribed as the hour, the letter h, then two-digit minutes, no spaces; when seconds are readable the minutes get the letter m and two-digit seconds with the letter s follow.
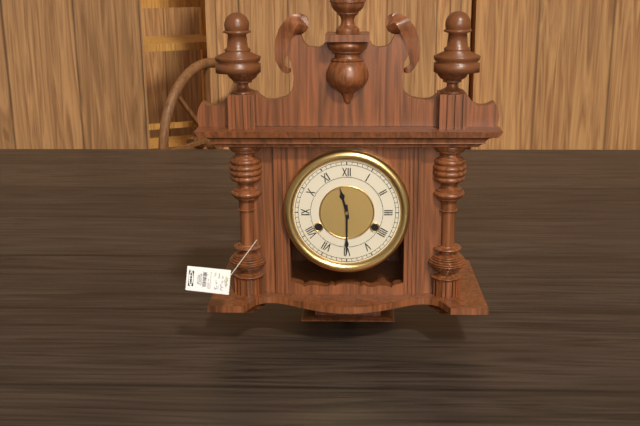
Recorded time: 11h30
